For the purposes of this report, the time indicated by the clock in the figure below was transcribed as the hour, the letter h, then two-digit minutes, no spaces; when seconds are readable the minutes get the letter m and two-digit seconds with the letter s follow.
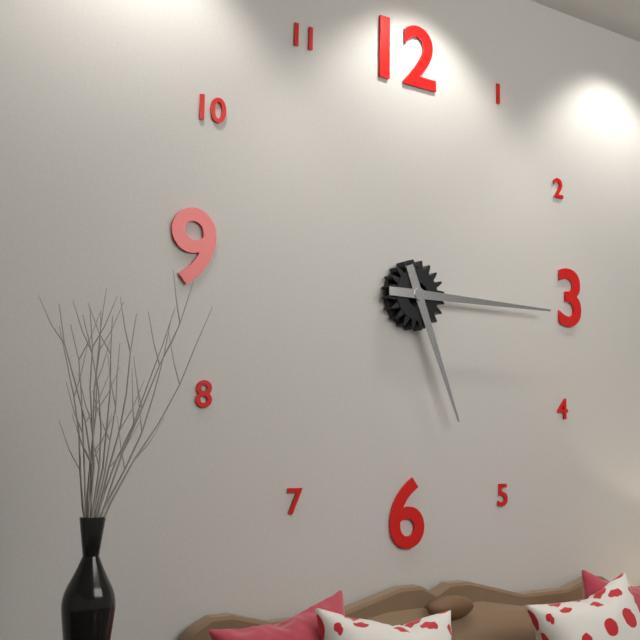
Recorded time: 5h15
